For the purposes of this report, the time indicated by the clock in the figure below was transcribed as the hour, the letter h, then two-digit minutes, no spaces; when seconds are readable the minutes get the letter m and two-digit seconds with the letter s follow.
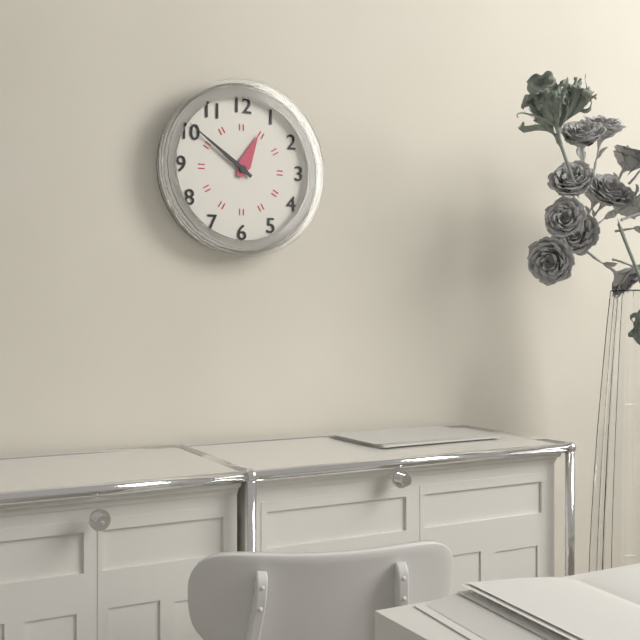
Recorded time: 12h51
